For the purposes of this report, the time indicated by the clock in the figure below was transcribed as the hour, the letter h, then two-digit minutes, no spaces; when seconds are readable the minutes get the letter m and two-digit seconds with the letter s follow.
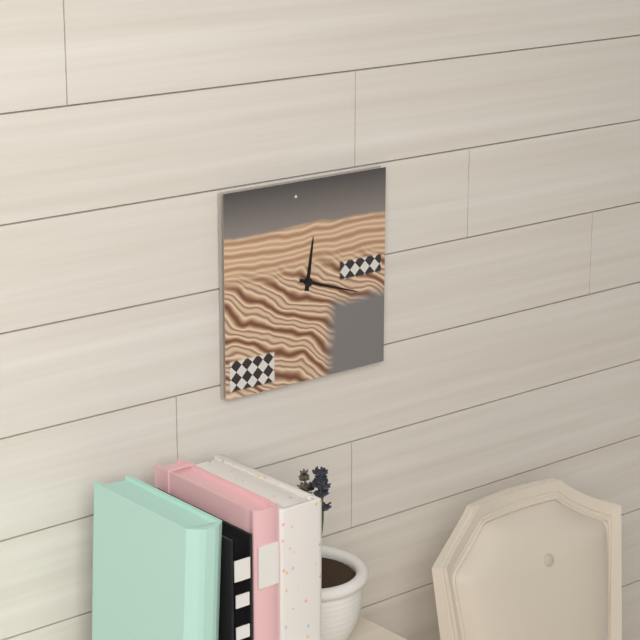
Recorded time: 12h18
